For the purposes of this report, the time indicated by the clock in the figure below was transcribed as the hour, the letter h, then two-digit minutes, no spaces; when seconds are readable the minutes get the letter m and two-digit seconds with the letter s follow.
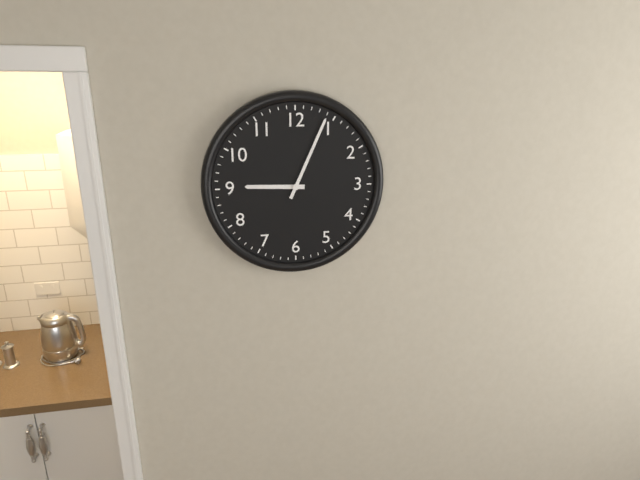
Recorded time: 9h04
